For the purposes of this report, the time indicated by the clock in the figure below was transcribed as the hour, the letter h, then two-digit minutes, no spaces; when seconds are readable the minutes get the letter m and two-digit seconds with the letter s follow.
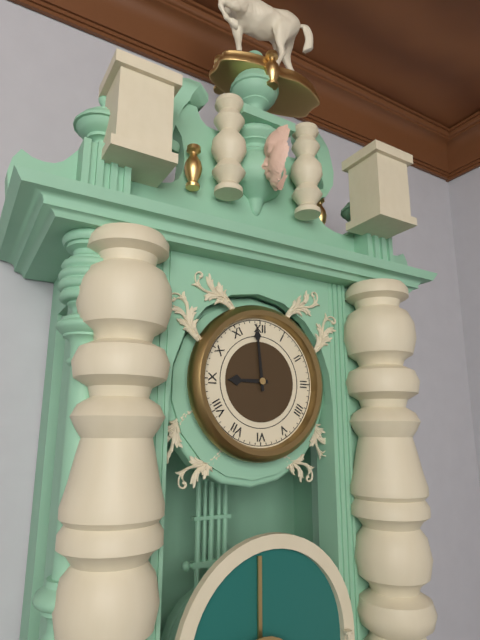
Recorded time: 8h59
